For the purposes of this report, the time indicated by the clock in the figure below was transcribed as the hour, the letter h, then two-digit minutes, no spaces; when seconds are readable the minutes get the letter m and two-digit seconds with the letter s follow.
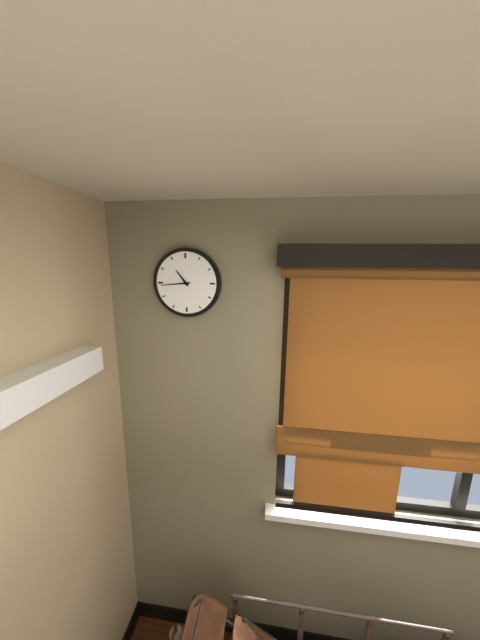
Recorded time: 10h44
